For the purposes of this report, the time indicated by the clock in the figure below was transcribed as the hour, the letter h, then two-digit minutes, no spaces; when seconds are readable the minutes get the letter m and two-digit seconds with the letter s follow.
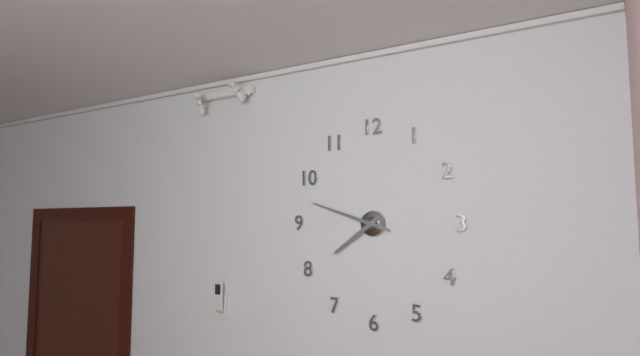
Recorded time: 7h48
